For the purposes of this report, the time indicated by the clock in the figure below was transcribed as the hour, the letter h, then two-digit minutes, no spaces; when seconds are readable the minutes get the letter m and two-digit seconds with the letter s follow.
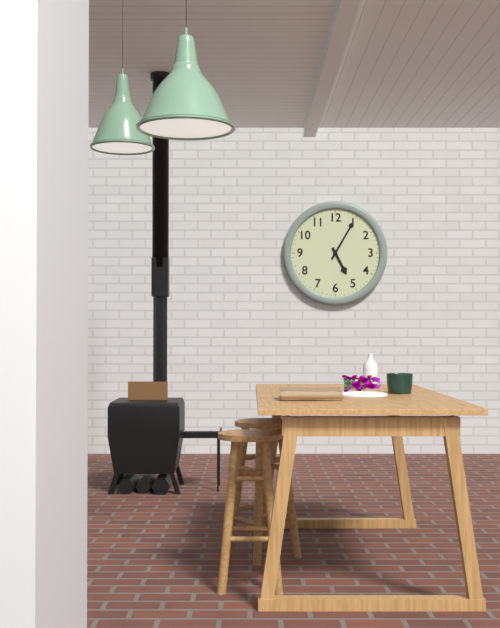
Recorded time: 5h05
